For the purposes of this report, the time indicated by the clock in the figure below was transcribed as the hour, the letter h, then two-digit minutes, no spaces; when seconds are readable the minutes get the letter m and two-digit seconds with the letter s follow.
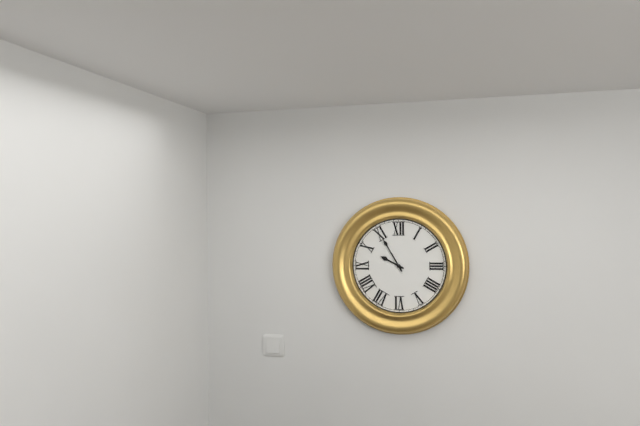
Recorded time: 9h55
